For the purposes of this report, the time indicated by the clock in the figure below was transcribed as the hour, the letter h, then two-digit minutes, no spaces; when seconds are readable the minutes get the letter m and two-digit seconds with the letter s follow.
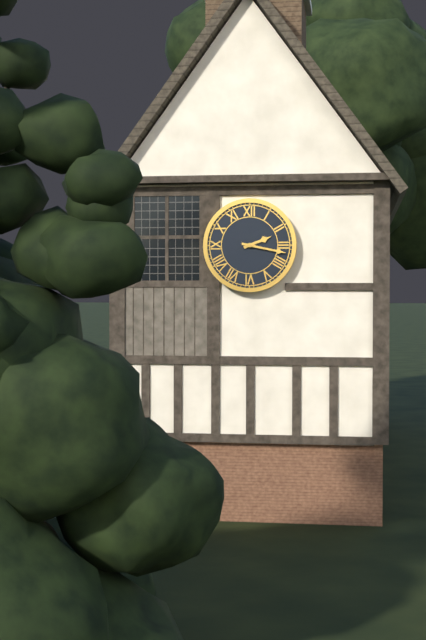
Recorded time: 2h17
